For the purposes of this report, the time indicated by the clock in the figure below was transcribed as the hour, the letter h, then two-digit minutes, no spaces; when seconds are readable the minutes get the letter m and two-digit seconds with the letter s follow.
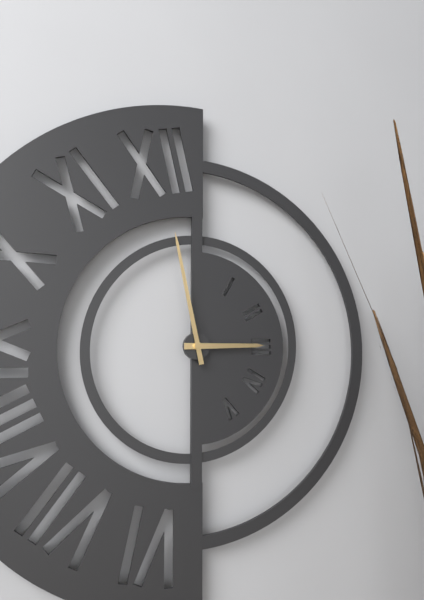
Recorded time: 2h58
